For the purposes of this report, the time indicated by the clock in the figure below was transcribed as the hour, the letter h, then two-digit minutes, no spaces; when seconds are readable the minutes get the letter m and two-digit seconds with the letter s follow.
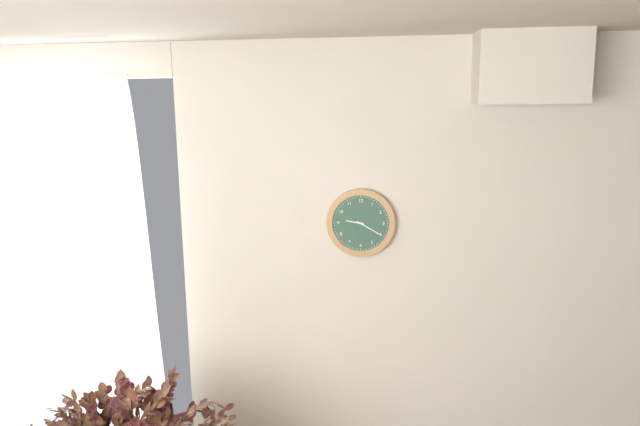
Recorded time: 9h20
